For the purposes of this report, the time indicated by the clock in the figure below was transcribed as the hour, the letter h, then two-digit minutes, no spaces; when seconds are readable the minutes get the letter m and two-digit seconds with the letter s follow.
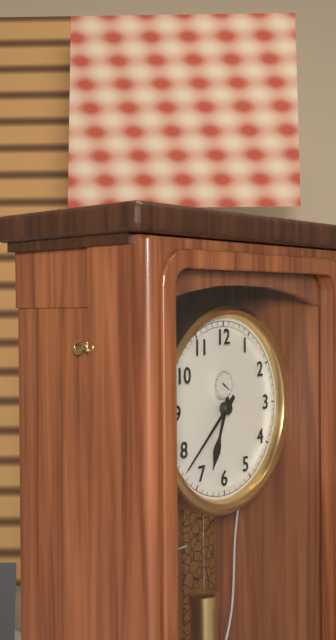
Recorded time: 6h38
